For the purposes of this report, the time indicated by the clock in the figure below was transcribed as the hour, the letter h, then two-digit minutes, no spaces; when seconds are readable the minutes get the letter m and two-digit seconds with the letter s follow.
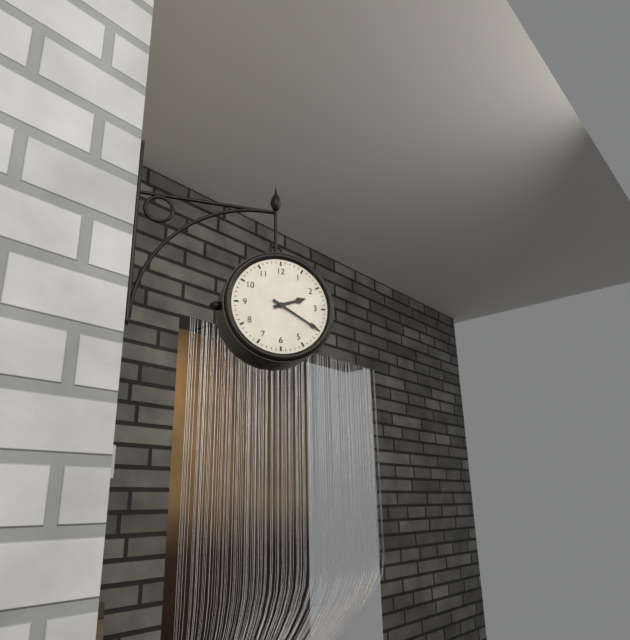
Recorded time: 2h20
